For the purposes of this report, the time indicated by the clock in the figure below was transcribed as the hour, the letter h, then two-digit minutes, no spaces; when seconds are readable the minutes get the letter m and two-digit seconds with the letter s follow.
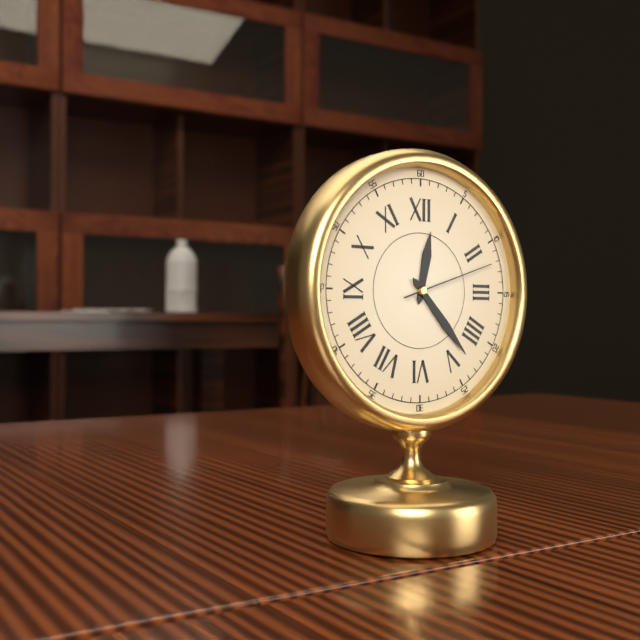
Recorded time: 12h23m12s
